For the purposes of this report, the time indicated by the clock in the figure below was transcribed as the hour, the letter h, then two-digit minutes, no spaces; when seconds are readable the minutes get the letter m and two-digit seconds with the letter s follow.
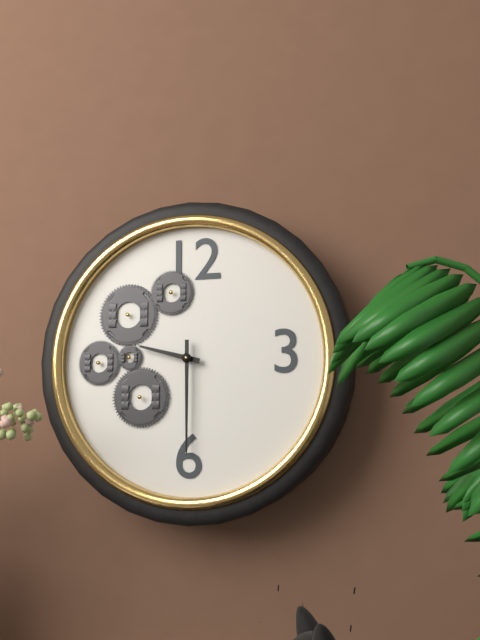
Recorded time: 9h30
